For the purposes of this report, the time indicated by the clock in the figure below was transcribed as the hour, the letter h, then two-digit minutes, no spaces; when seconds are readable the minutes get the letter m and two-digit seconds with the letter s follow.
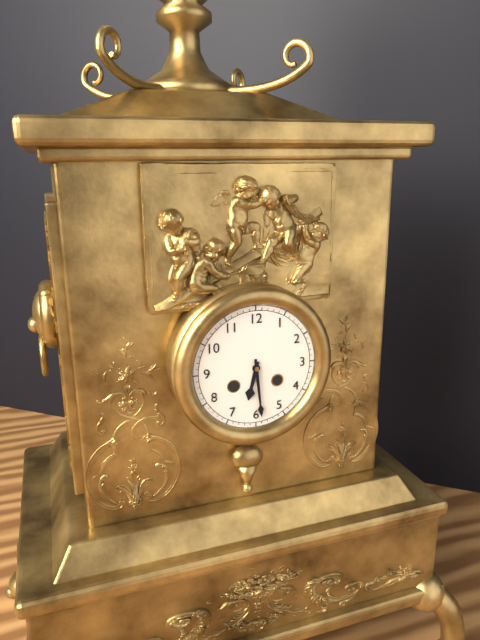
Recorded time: 6h29
